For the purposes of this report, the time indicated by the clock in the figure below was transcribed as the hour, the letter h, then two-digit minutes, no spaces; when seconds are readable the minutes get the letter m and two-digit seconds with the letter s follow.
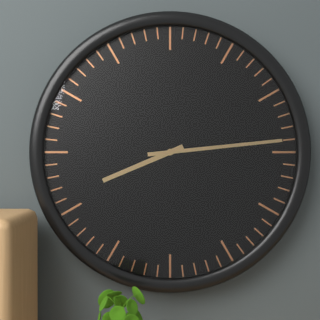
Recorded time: 8h14
